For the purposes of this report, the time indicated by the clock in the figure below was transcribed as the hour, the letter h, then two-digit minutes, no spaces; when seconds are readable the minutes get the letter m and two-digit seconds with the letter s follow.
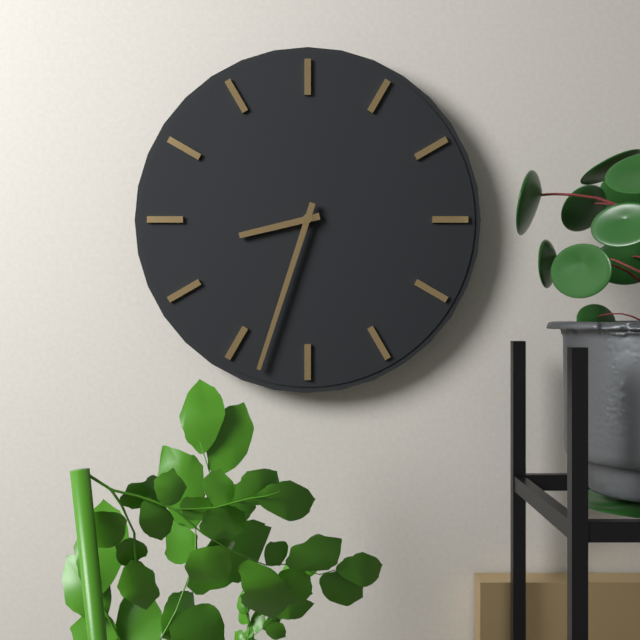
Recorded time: 8h33
